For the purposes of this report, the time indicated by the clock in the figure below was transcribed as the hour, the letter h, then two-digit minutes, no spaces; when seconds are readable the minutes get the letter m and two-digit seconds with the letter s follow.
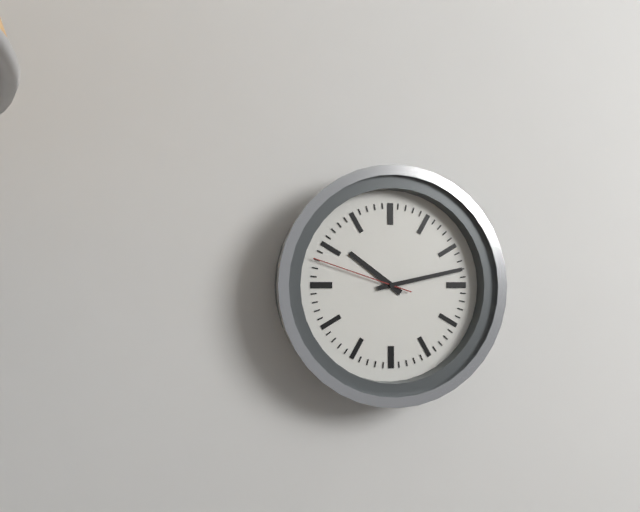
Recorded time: 10h13m48s
